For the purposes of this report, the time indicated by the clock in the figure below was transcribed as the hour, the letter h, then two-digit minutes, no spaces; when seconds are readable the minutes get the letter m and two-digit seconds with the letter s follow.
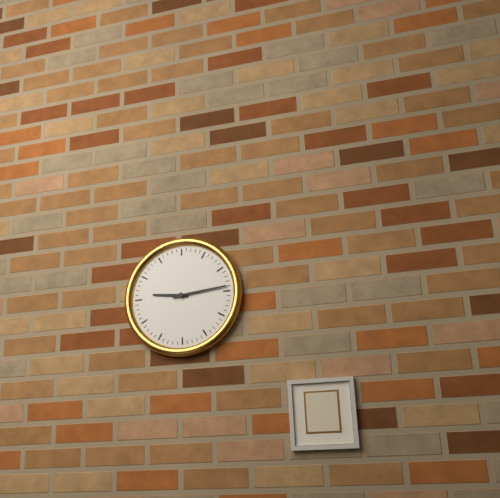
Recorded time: 9h14
